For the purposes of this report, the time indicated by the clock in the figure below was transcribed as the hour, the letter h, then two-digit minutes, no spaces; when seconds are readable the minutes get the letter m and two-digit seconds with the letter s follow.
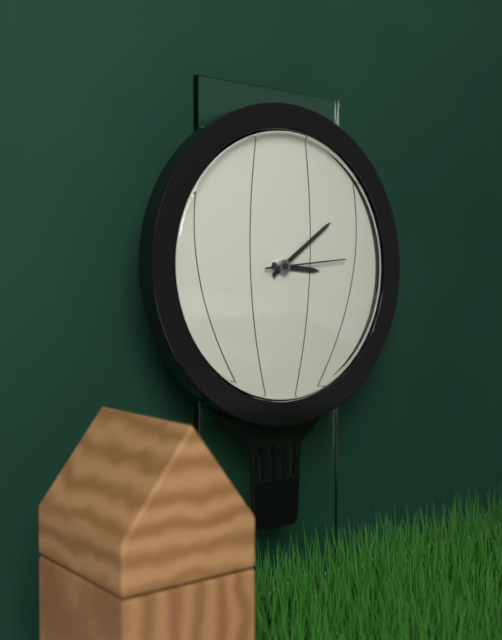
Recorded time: 3h09m14s
